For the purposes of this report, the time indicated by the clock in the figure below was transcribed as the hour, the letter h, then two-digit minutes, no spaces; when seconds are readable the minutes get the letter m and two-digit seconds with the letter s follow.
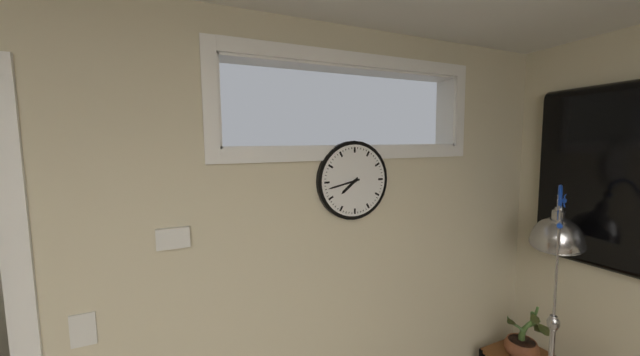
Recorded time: 7h43
